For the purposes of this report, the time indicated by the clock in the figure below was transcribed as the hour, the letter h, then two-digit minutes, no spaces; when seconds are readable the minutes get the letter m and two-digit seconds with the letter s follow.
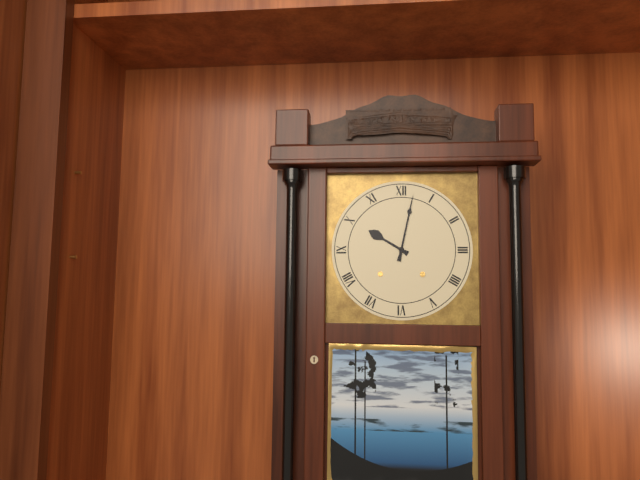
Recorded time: 10h02
